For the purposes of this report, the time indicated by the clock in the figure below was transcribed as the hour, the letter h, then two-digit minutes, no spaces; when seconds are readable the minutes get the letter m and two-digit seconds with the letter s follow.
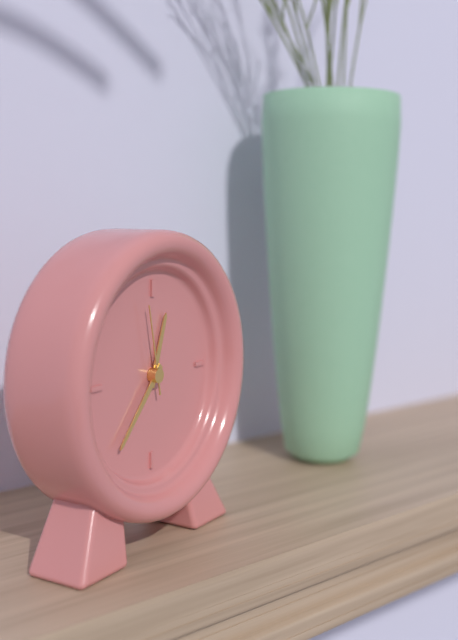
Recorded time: 12h37m58s
